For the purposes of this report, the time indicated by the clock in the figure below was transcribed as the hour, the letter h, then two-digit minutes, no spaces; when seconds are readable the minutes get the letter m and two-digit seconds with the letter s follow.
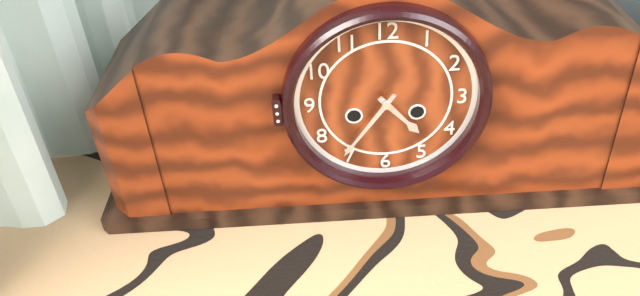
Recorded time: 4h36
